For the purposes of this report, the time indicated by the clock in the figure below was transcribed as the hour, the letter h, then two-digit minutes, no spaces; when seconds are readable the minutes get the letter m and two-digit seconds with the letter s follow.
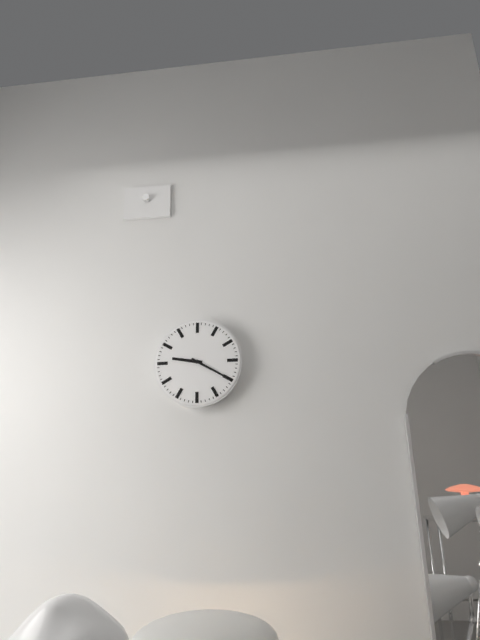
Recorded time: 9h20
